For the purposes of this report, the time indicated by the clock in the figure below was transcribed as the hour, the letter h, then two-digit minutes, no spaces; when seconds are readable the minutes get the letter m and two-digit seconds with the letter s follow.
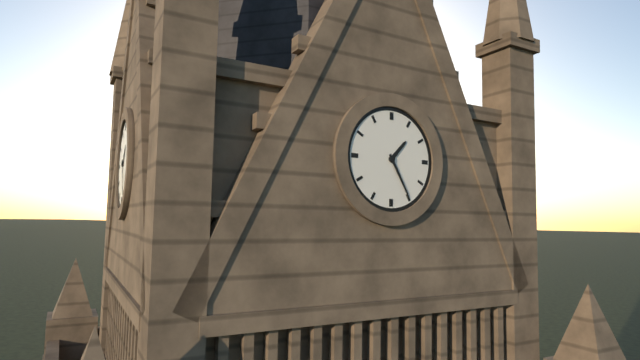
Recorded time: 1h25
